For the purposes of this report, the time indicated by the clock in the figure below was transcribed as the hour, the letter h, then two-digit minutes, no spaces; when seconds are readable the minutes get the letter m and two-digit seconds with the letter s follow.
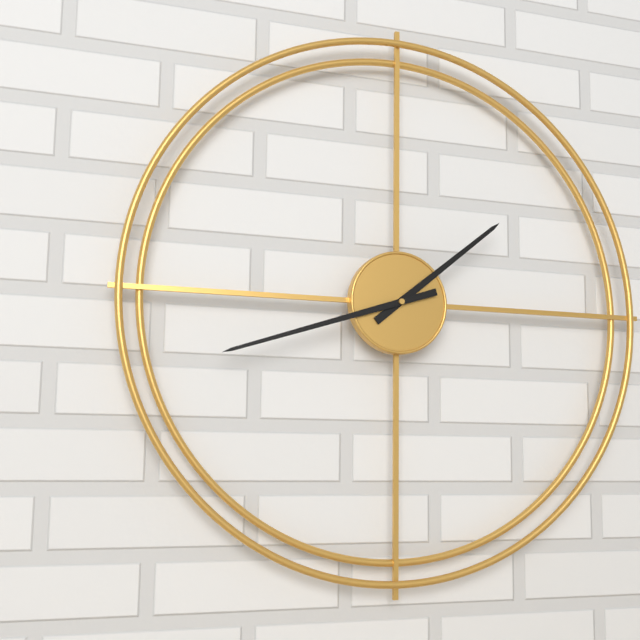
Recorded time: 1h42
